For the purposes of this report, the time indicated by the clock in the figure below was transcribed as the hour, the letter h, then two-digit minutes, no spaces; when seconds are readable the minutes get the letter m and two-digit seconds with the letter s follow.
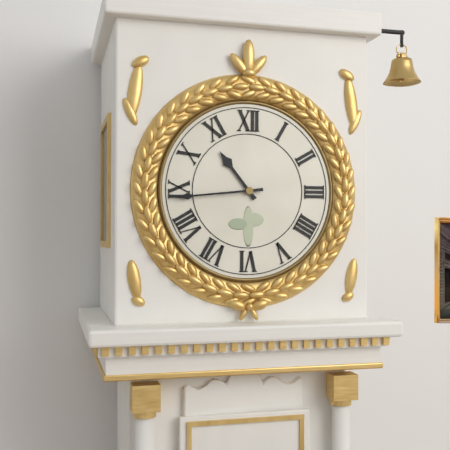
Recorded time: 10h44
